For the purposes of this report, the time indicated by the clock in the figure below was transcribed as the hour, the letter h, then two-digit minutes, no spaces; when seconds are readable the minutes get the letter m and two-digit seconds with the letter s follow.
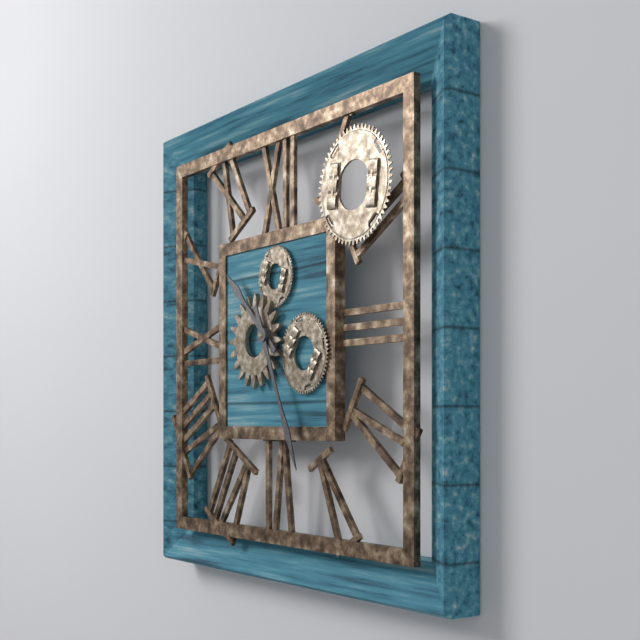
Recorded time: 10h26
